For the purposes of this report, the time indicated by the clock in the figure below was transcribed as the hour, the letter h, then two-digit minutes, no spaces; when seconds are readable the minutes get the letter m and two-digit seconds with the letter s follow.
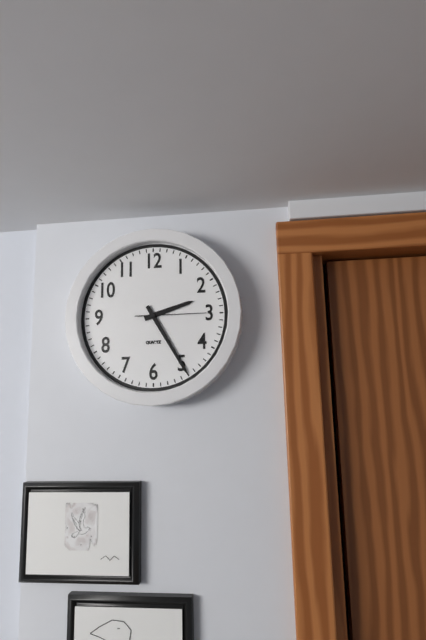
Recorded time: 2h25m15s
